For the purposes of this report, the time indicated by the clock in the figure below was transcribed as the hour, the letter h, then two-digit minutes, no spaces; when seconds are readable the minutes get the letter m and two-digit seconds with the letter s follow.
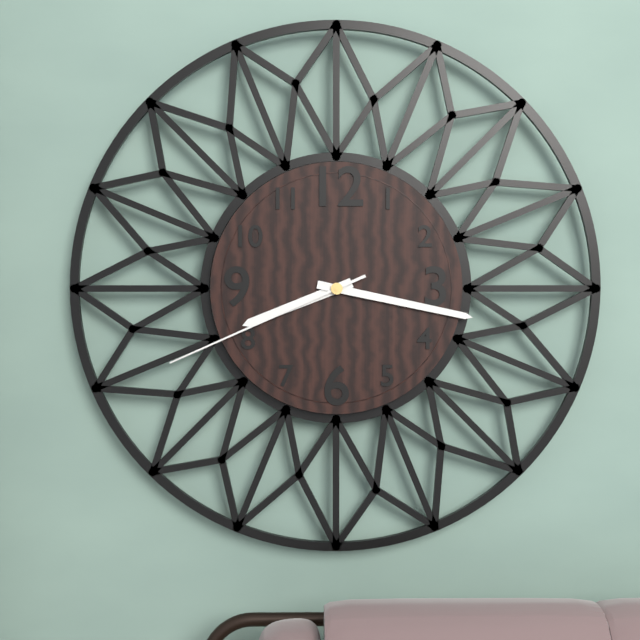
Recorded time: 8h17m41s
